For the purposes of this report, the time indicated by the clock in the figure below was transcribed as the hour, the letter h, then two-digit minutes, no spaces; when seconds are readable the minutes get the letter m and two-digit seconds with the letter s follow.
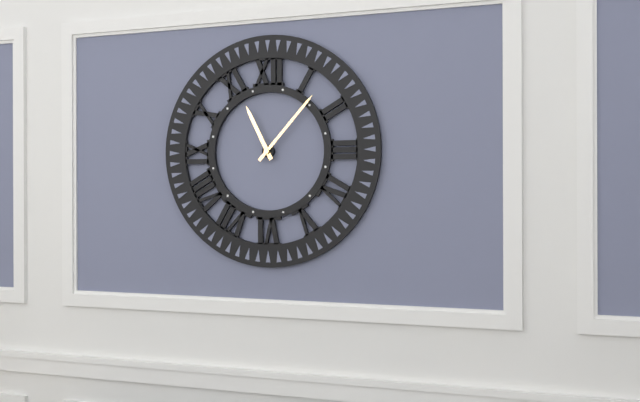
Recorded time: 11h07
